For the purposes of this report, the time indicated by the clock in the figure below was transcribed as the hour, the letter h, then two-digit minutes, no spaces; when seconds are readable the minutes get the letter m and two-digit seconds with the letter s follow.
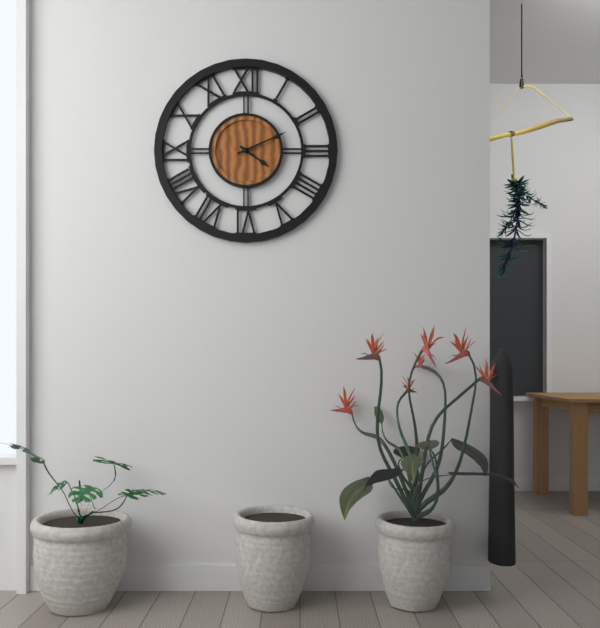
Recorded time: 4h11
